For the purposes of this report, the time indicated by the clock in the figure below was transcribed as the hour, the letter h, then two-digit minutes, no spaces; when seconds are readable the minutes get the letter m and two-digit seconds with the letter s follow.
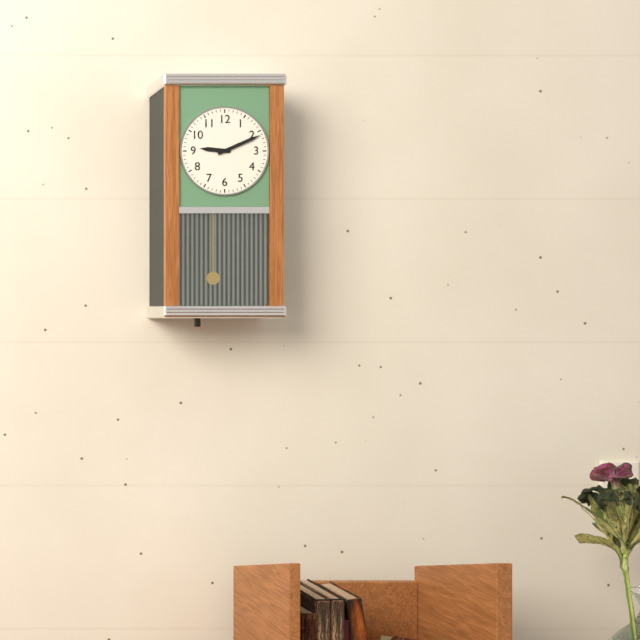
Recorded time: 9h11
